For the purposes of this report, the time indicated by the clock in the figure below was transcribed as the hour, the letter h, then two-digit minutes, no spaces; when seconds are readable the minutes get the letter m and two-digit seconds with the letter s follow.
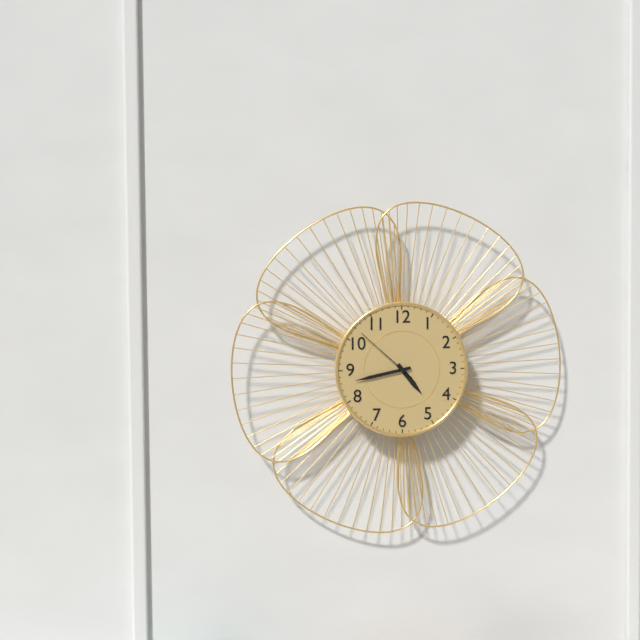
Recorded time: 4h43m52s
